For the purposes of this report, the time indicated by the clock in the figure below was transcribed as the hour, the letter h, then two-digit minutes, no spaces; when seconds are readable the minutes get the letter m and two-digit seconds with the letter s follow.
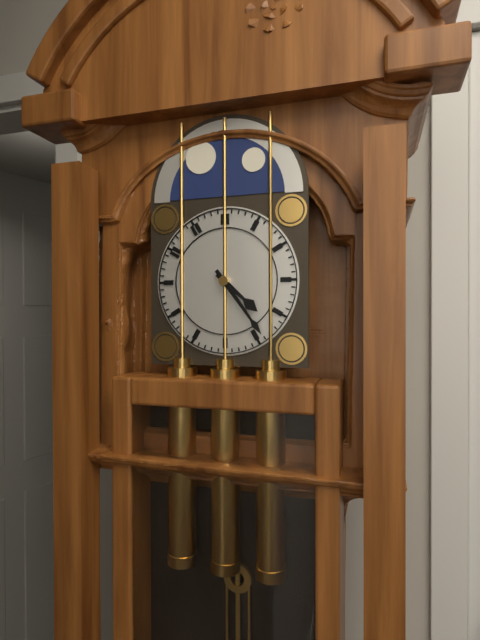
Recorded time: 4h24
